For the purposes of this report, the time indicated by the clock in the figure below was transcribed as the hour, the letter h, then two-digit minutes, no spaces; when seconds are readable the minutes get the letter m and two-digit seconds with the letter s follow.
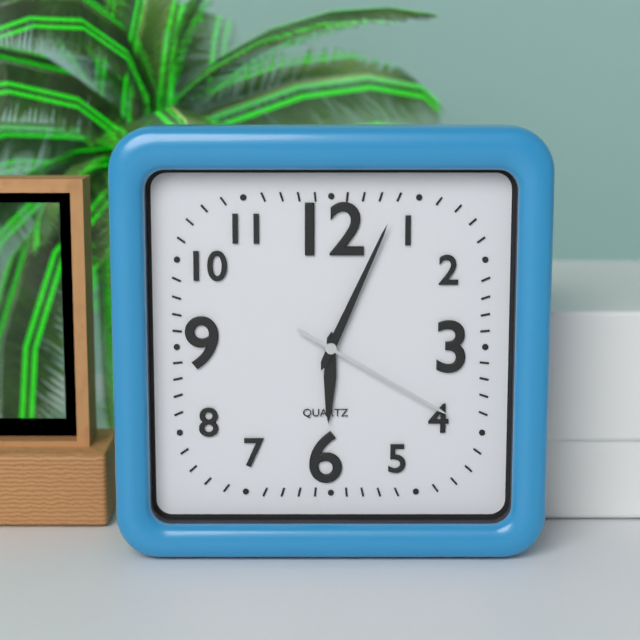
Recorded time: 6h04m20s
